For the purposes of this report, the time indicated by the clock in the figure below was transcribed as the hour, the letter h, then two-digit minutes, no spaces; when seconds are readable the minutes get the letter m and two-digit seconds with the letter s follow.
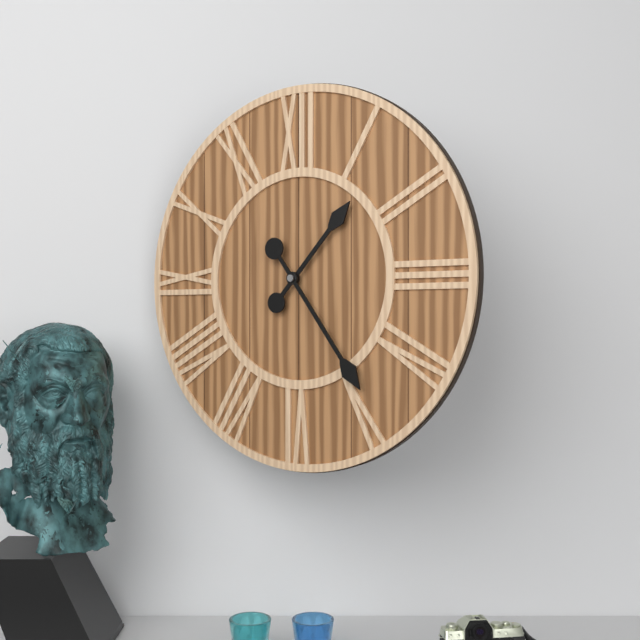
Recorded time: 1h24
